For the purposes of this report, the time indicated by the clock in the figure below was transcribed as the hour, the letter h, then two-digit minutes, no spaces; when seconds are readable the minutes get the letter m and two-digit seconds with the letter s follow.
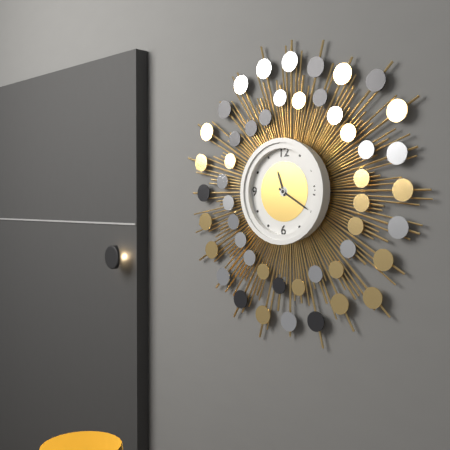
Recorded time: 11h20
